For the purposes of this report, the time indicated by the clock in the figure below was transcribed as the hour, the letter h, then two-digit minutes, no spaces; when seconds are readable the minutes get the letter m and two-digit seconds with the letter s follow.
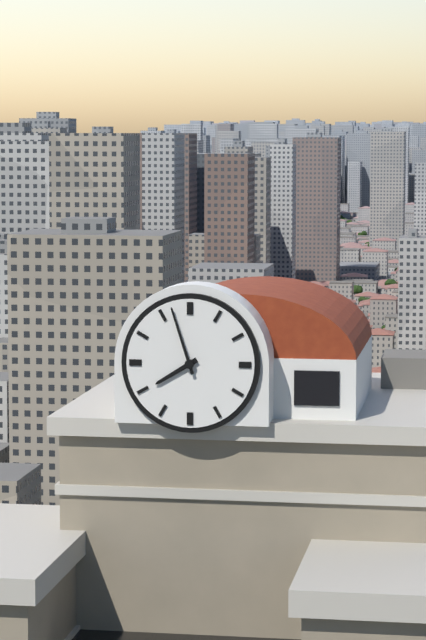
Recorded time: 7h57
